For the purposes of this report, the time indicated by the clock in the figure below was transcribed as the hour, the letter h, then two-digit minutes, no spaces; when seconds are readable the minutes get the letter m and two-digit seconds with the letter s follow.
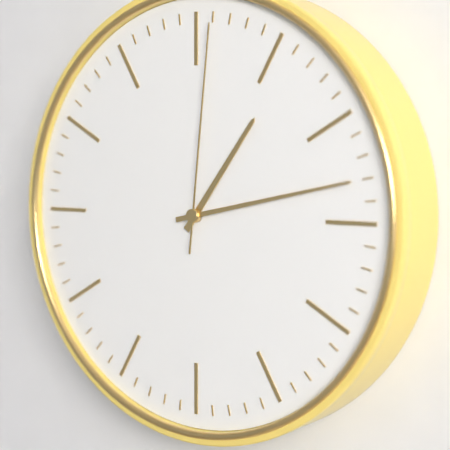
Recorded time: 1h13m01s
